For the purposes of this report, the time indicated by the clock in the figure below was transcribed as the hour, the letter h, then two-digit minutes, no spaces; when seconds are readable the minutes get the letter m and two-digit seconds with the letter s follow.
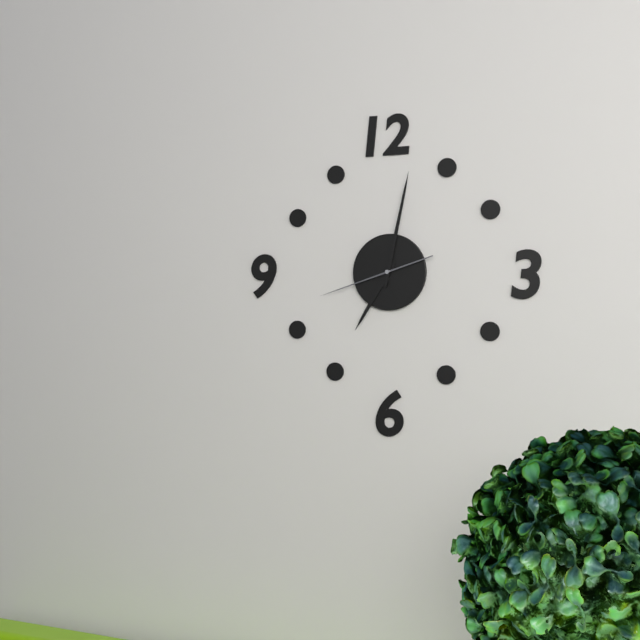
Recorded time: 7h02m42s
